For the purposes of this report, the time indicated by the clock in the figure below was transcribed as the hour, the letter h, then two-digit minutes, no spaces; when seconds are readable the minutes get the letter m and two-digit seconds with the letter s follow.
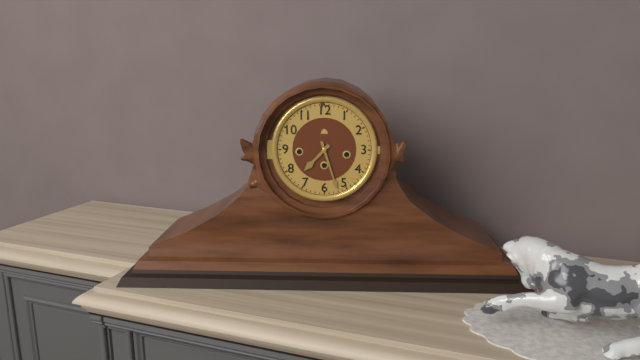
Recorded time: 7h27
